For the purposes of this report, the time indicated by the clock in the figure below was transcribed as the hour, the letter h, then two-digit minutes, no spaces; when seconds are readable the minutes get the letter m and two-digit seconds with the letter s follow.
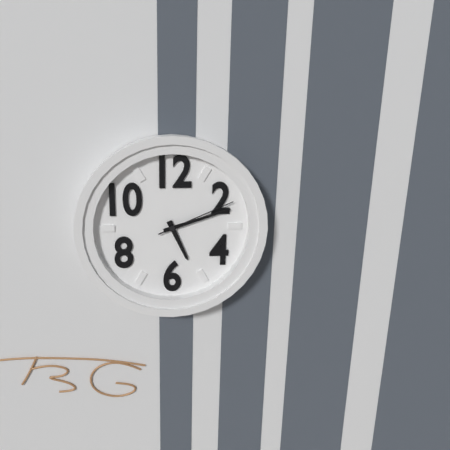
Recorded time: 5h12m11s
